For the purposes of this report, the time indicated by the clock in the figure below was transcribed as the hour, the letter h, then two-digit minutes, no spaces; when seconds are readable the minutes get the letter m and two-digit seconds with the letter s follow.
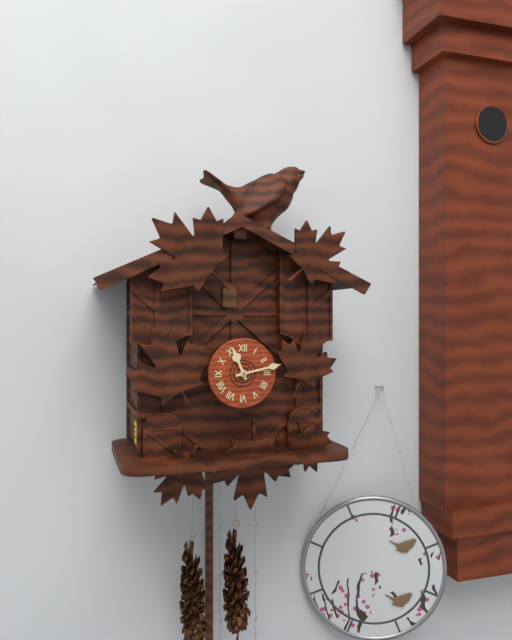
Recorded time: 11h13
